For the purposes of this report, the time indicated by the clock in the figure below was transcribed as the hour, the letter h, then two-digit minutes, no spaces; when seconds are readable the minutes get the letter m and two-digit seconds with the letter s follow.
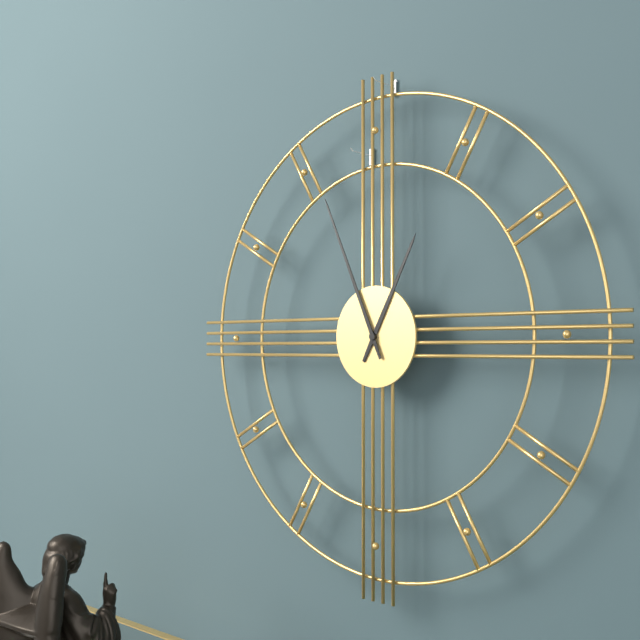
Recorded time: 12h56
